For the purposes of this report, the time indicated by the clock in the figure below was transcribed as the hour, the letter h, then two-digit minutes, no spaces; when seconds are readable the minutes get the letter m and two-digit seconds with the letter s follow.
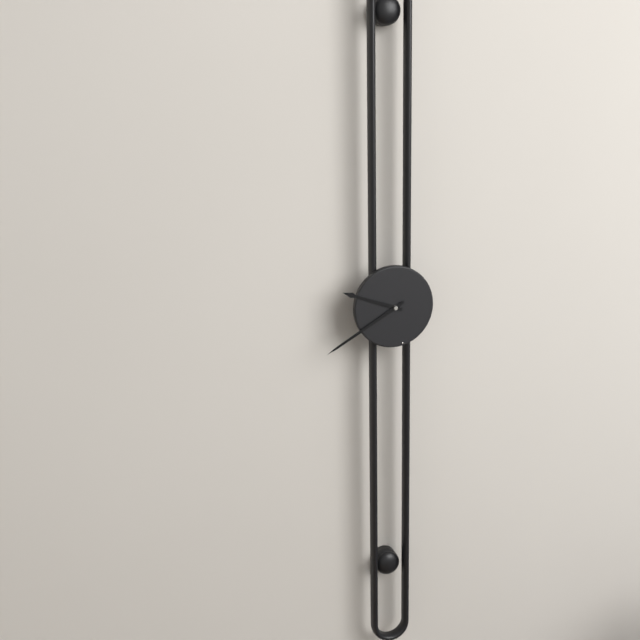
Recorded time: 9h40
